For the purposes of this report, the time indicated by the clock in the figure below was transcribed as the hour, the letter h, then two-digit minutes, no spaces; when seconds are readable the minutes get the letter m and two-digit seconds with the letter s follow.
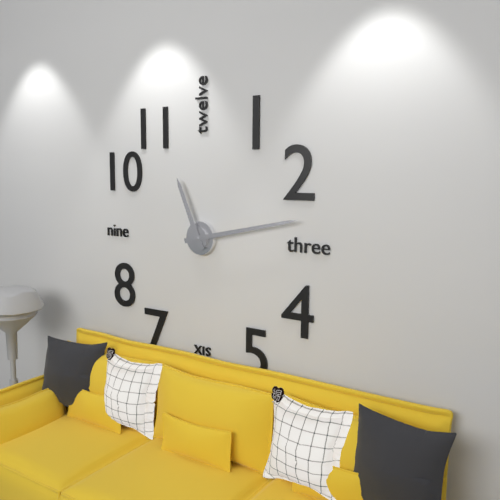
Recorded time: 11h13
